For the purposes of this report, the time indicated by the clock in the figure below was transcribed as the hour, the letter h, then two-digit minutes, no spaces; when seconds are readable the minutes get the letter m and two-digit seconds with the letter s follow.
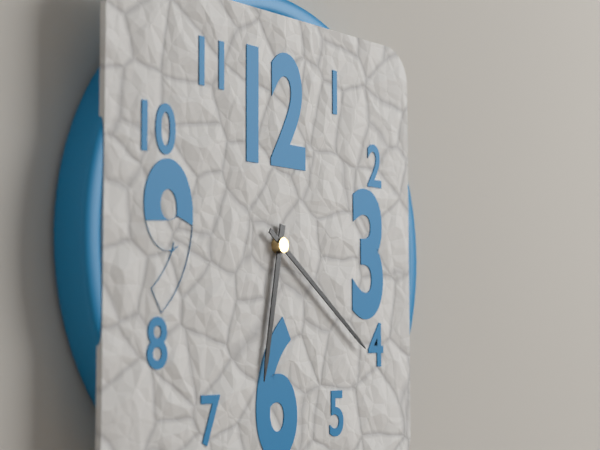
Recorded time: 6h21
